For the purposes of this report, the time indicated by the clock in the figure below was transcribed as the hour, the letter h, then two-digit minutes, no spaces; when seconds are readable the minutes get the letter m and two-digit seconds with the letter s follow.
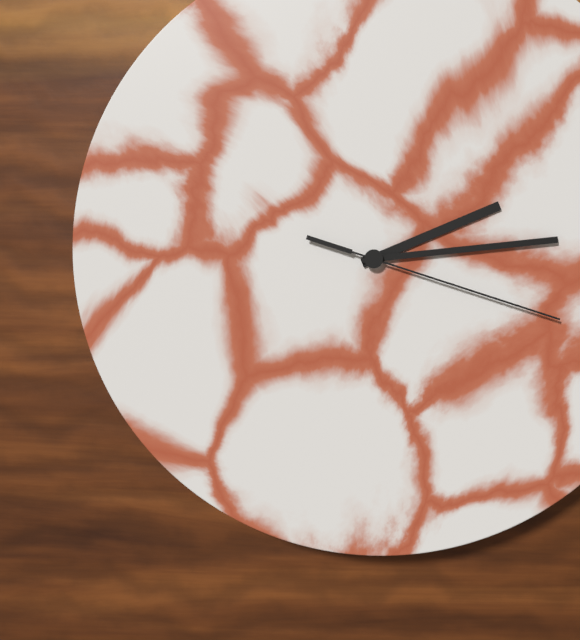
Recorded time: 2h14m18s
